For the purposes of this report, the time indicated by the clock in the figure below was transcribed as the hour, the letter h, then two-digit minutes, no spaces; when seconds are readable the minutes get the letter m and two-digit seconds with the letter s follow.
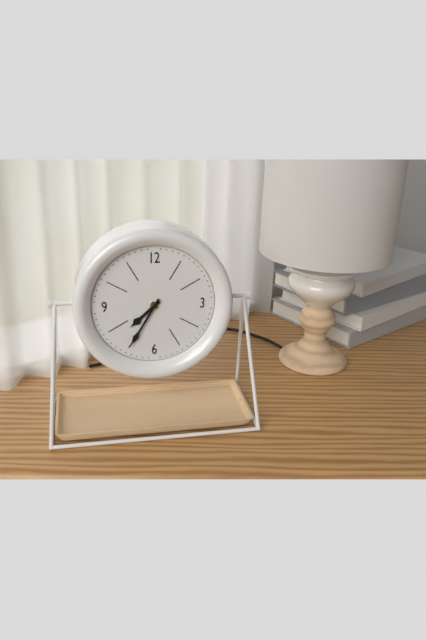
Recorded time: 7h35
